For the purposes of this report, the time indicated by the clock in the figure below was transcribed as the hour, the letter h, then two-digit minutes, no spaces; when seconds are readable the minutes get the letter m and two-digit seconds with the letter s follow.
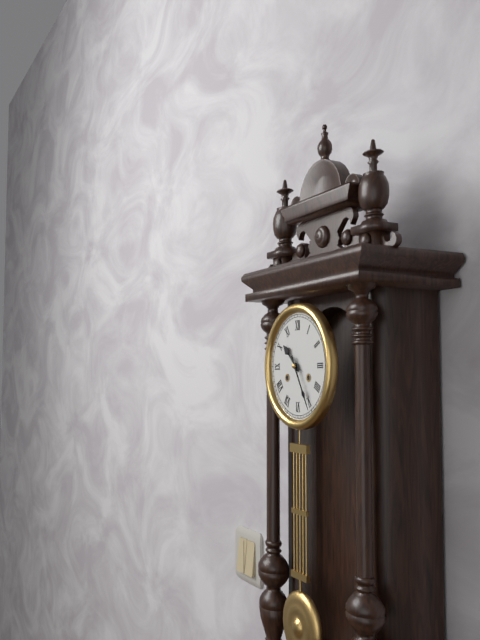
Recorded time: 10h25
